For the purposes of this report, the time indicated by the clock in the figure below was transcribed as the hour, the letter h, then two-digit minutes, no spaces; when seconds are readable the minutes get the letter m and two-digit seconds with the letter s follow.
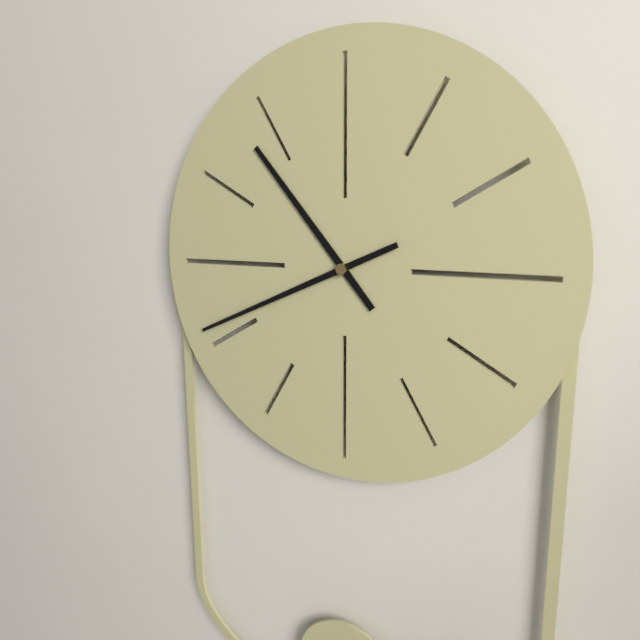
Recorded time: 10h41
